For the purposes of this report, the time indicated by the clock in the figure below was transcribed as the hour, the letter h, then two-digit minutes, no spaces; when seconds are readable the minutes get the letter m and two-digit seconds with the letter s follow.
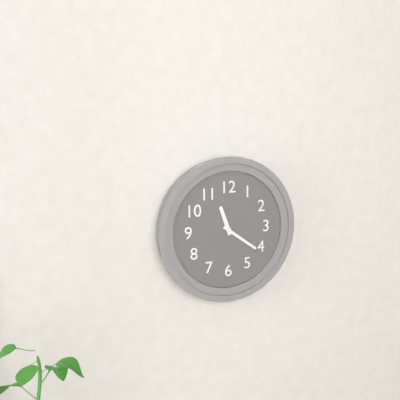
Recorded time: 11h21
